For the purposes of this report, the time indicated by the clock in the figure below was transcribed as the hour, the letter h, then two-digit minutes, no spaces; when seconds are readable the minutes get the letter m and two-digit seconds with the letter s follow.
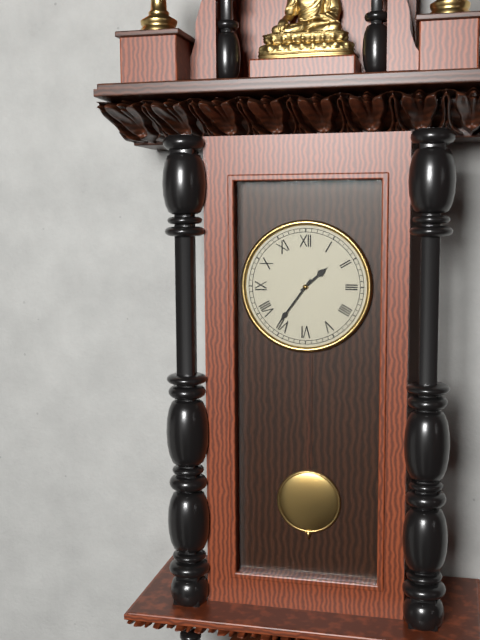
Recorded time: 1h36
